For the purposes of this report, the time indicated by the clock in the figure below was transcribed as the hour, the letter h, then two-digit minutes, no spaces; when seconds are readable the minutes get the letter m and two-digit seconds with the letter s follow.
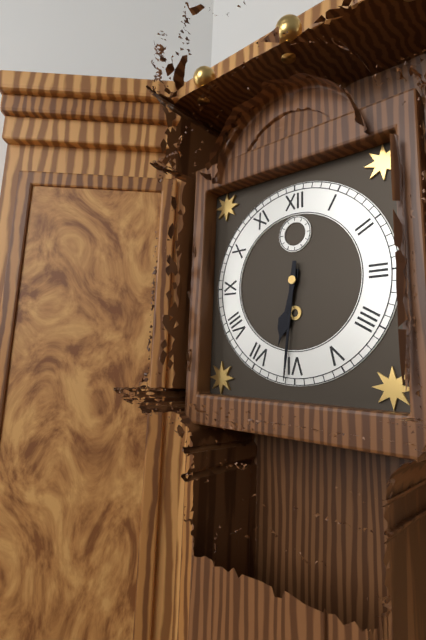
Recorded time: 6h31
